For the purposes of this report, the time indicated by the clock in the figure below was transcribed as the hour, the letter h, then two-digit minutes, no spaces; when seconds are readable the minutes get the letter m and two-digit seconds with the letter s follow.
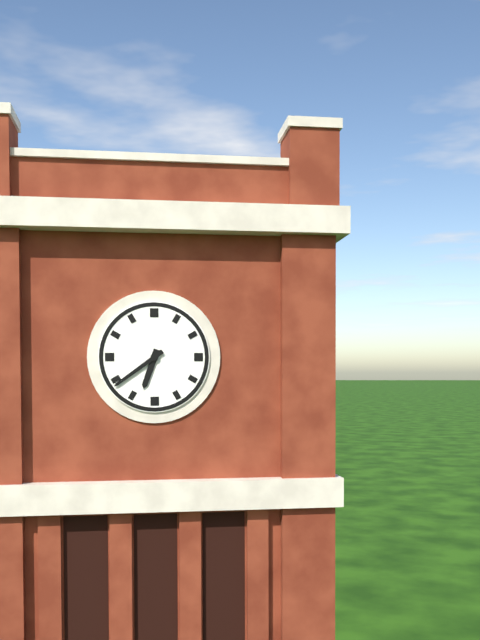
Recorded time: 6h39
